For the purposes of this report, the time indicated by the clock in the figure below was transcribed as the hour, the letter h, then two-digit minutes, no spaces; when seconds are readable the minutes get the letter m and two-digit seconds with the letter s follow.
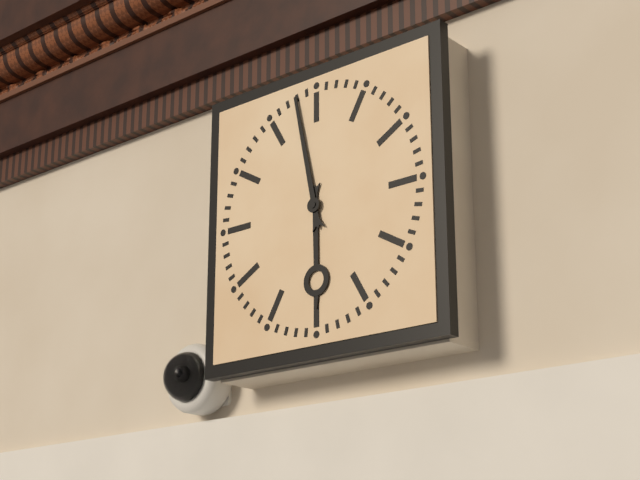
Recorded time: 5h58
